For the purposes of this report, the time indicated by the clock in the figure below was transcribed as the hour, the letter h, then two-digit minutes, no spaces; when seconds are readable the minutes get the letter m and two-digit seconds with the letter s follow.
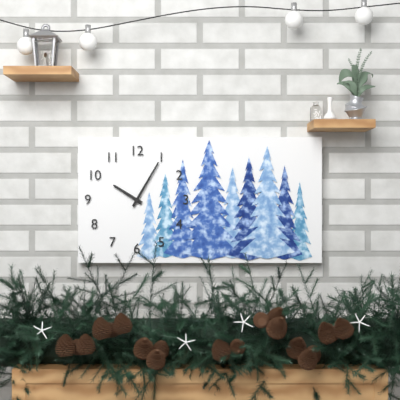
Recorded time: 10h05
